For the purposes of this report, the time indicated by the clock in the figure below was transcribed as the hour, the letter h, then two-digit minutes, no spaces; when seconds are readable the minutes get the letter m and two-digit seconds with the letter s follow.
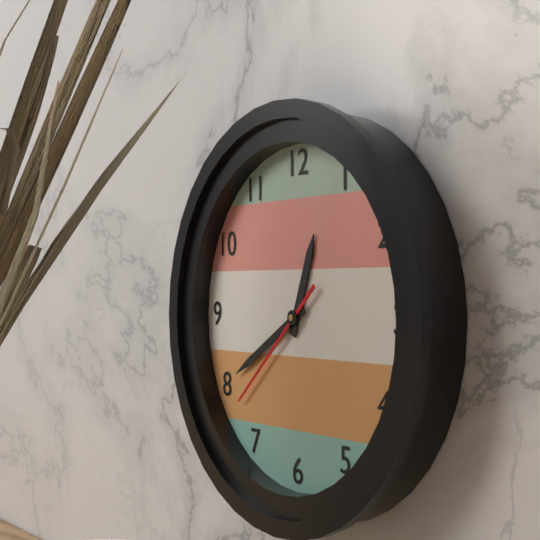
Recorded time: 12h40m38s
